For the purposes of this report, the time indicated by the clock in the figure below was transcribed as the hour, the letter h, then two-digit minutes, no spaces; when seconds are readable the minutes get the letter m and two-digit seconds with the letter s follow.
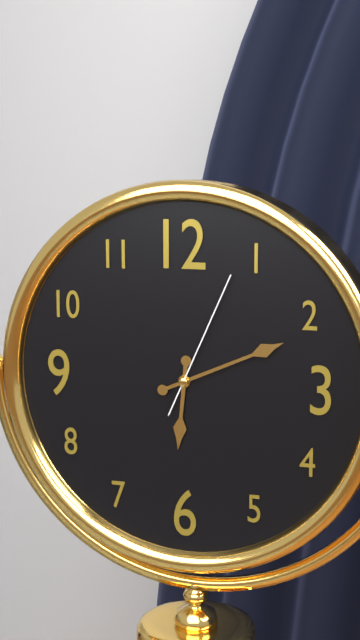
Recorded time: 6h11m04s
